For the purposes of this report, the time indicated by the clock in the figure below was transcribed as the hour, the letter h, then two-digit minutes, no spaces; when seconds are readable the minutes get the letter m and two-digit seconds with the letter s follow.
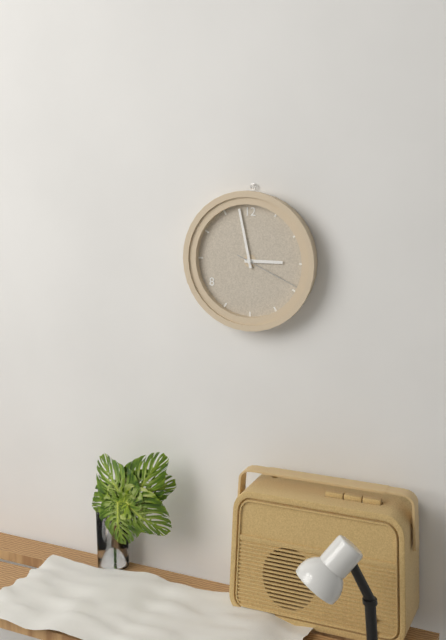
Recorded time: 2h58m19s
